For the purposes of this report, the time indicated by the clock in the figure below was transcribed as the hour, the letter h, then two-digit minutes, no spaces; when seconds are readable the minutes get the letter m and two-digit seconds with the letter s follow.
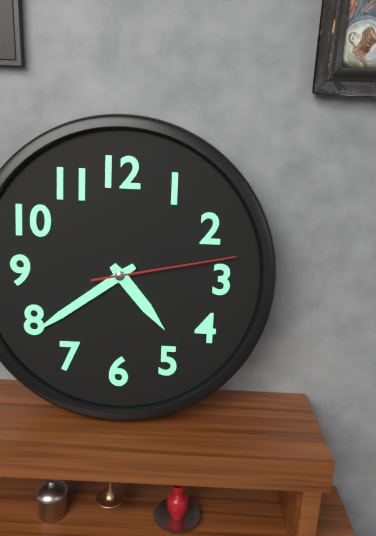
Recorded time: 4h39m13s
